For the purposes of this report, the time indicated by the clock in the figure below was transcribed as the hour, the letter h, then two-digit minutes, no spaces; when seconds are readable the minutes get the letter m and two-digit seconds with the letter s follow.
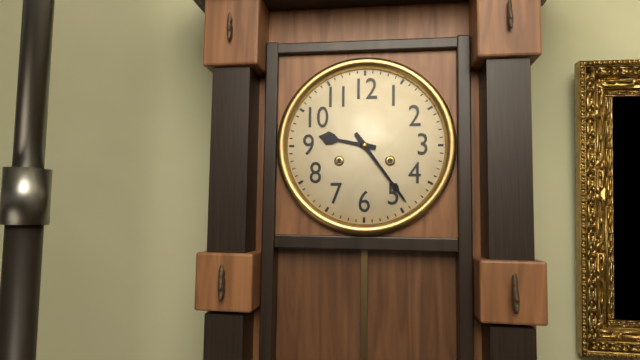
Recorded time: 9h24
